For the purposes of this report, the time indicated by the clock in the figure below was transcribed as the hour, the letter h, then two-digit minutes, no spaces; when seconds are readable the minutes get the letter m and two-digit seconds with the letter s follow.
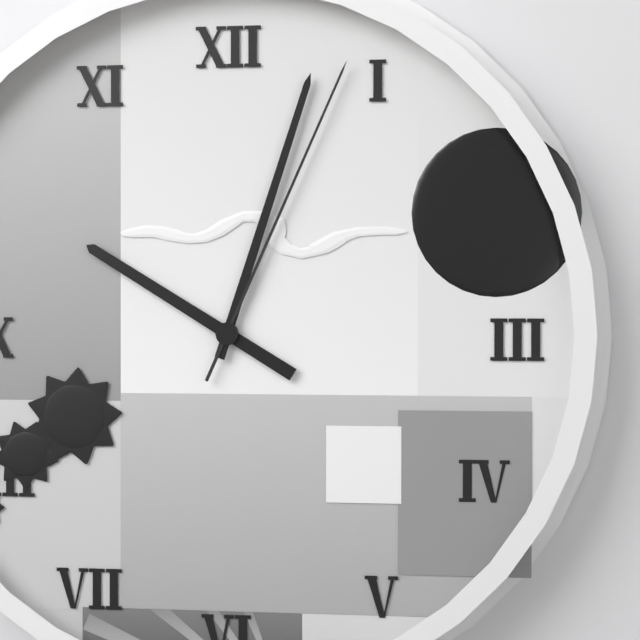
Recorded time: 10h03m04s
